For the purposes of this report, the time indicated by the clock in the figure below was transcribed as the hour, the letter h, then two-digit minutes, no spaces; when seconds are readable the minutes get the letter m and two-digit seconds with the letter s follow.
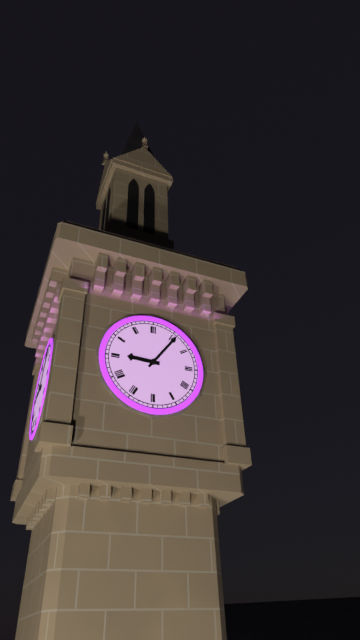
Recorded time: 9h06
